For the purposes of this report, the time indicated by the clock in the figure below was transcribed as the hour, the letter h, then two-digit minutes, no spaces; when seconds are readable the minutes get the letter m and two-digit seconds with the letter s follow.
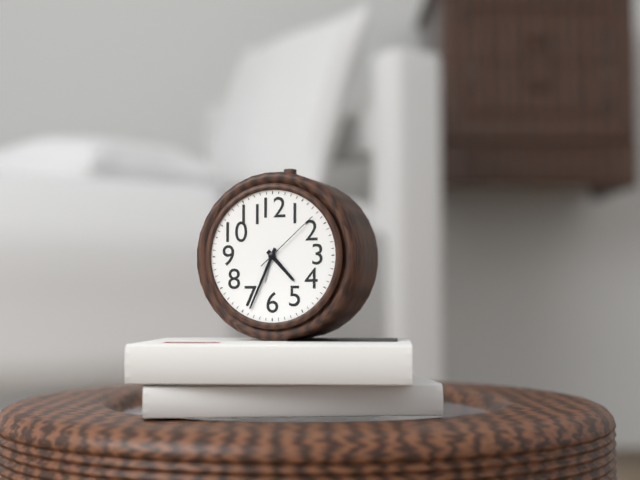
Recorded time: 4h34m08s
